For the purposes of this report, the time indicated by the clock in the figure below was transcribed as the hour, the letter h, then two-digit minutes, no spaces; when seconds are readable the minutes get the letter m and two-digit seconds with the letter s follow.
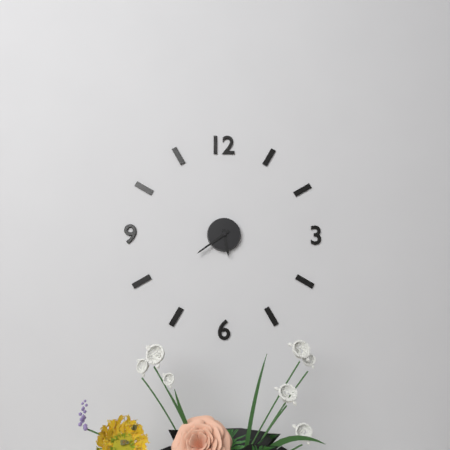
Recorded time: 5h39
